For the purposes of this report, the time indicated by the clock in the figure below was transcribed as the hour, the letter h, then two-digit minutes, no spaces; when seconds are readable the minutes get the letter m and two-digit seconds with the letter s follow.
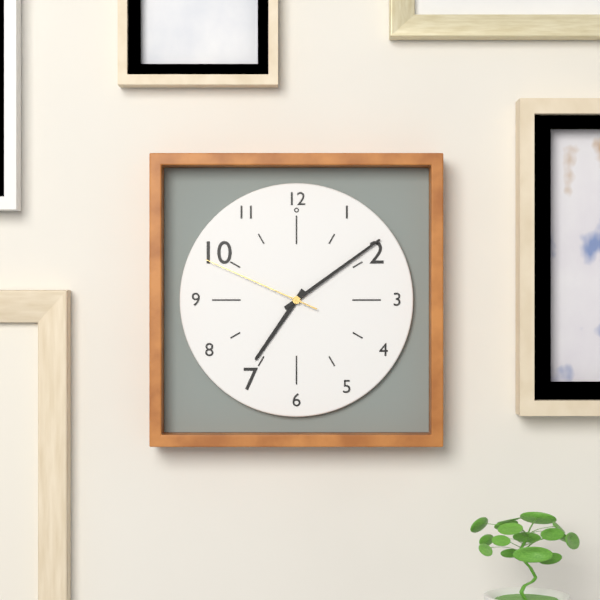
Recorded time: 7h09m49s
